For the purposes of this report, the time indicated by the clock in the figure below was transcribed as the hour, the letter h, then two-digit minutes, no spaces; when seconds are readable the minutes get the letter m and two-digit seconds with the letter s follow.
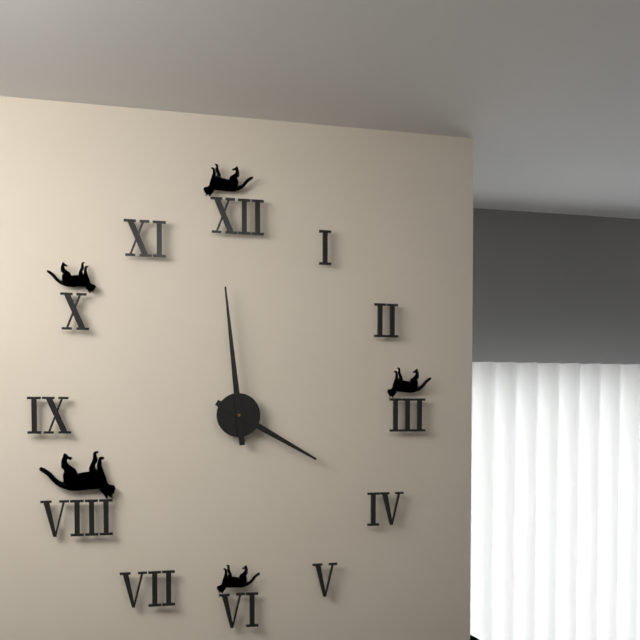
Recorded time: 3h59
